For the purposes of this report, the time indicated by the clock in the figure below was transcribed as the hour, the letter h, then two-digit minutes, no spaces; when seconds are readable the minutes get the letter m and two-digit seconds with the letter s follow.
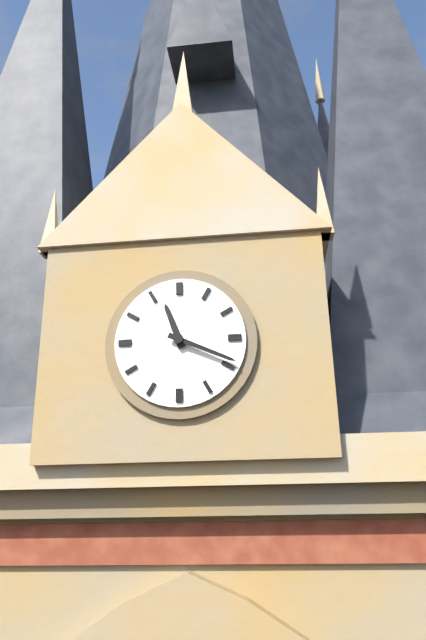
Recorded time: 11h19
